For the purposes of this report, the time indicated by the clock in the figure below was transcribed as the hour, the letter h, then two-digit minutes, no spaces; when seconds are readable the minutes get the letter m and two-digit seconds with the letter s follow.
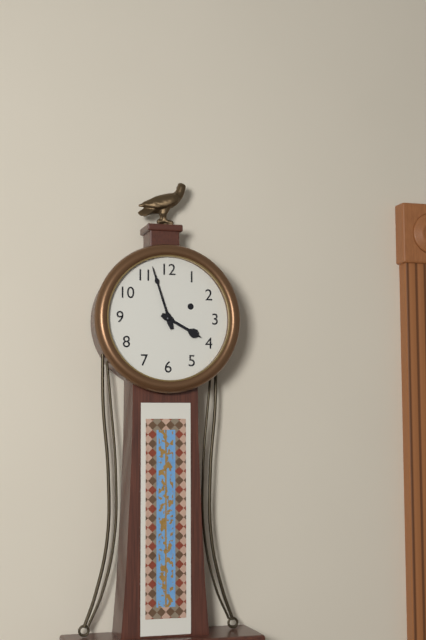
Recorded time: 3h57
